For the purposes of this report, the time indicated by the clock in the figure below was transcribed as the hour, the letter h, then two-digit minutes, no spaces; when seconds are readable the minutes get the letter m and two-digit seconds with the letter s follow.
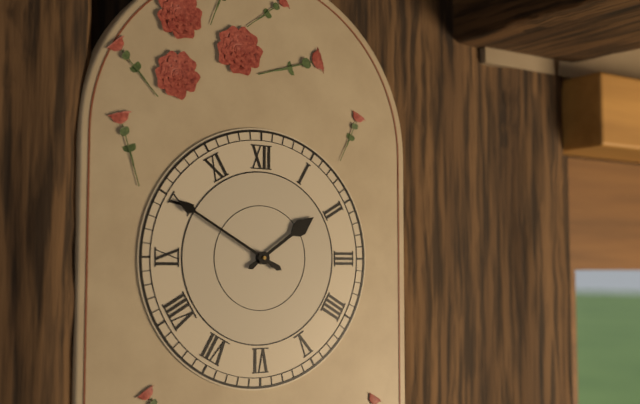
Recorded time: 1h50
